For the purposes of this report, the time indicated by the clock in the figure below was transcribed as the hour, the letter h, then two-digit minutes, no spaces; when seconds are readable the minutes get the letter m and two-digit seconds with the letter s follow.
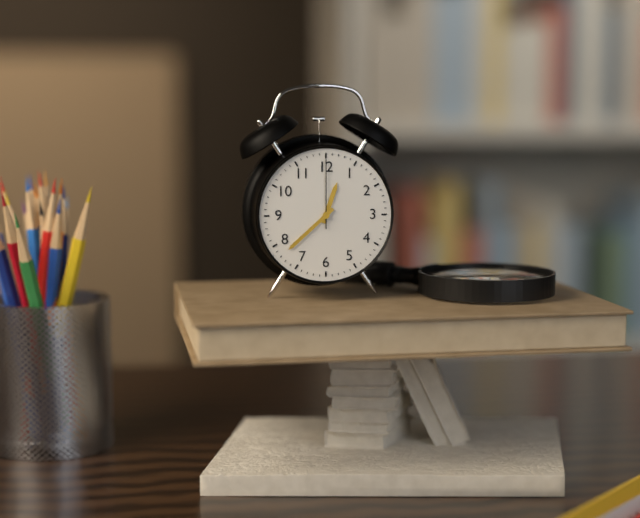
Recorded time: 12h38m00s
